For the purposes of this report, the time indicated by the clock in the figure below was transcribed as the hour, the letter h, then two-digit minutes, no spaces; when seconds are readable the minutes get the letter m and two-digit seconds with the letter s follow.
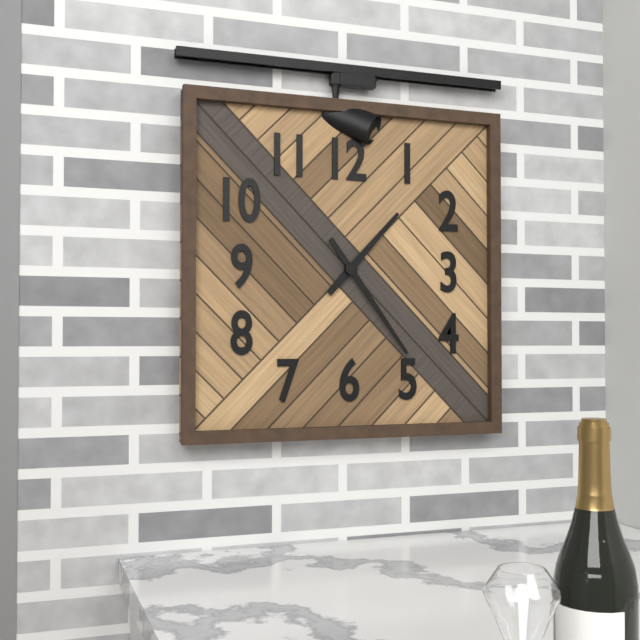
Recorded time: 1h24
